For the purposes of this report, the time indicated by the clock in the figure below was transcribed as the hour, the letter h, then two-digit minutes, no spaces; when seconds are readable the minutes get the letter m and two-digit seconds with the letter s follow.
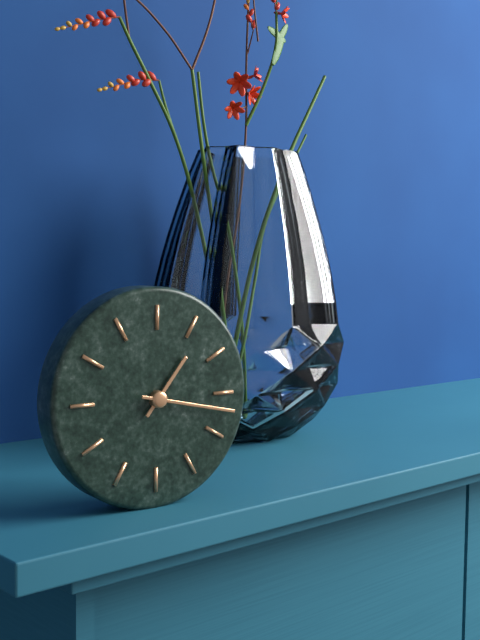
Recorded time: 1h17
